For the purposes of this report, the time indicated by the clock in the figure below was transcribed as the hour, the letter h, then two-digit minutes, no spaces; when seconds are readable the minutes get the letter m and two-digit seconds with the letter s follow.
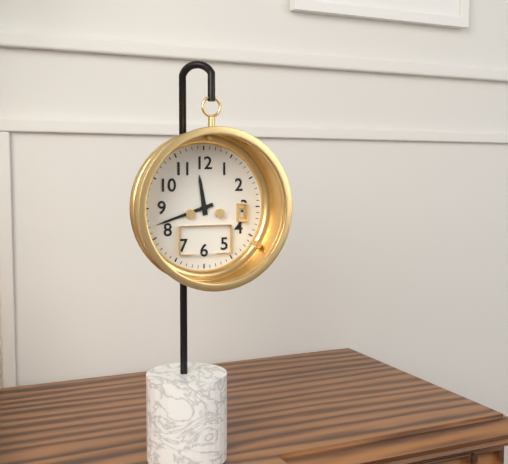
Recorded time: 11h42
